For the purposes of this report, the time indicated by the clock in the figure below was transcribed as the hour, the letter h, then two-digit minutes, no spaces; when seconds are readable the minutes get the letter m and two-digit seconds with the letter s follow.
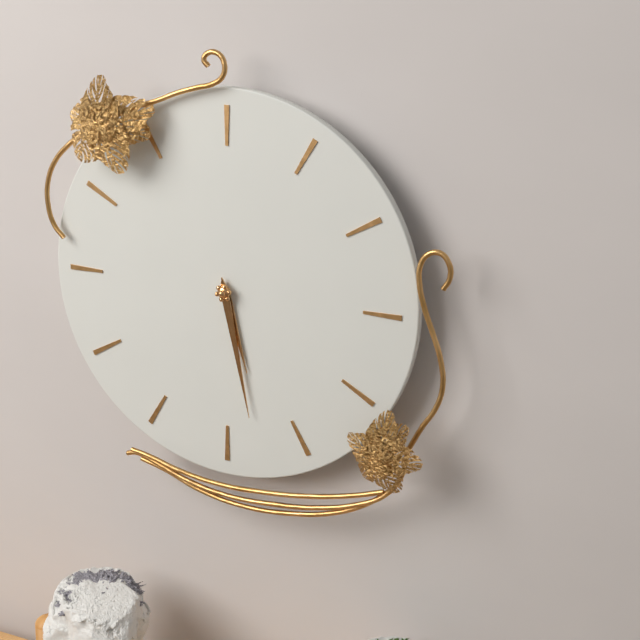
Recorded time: 5h28
